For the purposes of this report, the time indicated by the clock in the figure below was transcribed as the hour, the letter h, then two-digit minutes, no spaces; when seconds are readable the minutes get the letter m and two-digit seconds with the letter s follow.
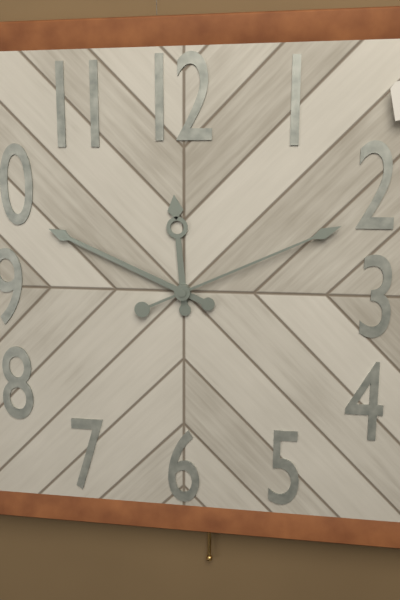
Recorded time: 11h49m11s
